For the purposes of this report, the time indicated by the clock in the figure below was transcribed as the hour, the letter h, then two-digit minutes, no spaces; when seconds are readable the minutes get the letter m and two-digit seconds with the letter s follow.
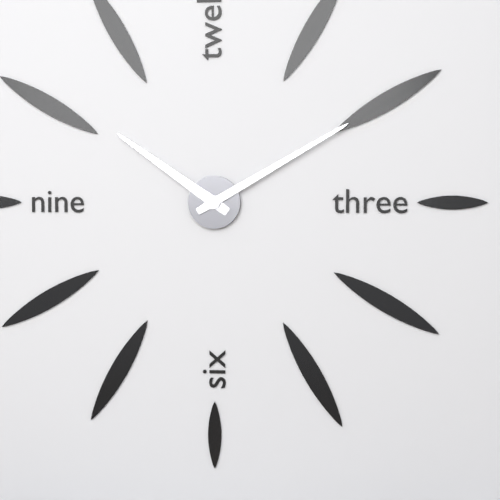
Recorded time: 10h10
